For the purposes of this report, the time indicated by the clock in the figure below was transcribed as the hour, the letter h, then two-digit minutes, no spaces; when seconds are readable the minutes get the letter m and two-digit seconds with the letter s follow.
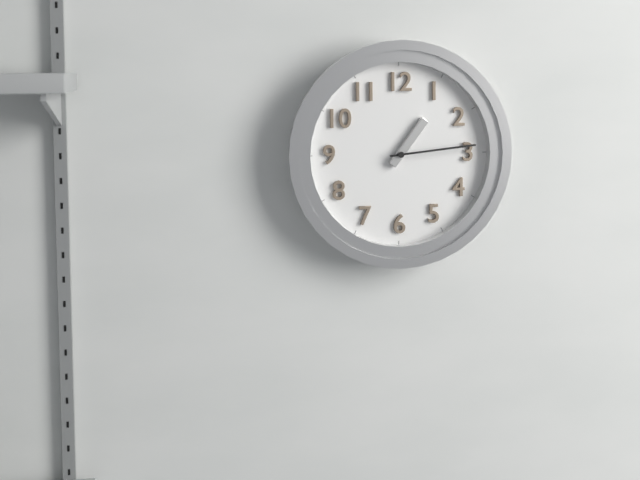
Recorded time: 1h14
